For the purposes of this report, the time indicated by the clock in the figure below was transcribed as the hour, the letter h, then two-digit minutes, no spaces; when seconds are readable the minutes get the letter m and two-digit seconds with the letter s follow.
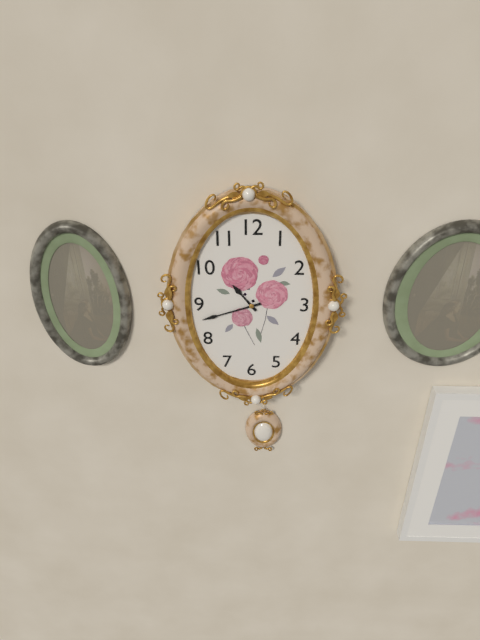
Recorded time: 10h42
